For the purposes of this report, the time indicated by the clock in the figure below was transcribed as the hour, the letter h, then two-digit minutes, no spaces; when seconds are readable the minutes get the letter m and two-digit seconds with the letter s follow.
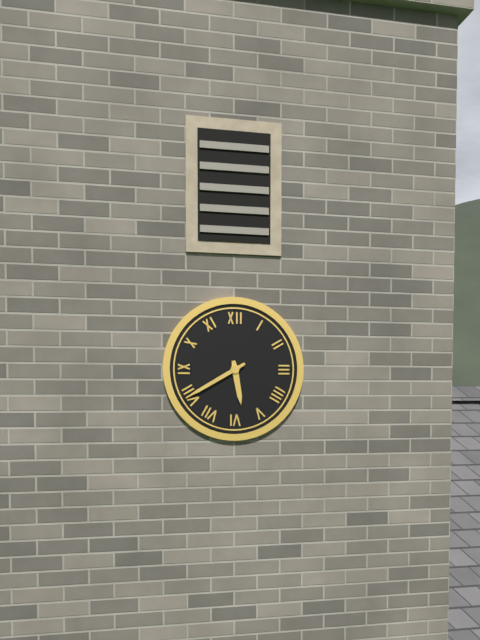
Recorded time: 5h40
